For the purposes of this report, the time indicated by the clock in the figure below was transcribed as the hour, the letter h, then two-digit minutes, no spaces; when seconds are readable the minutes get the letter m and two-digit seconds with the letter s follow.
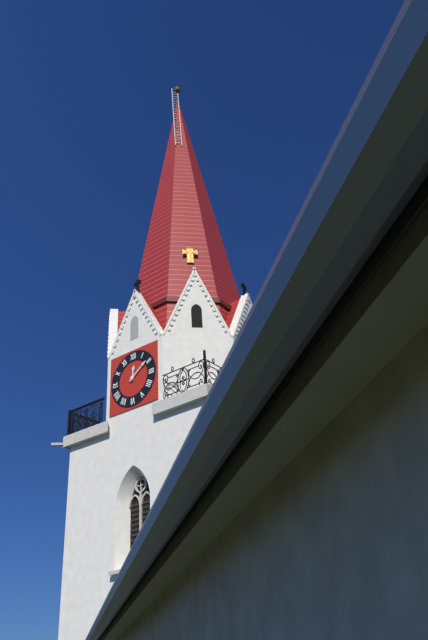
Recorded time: 12h09
